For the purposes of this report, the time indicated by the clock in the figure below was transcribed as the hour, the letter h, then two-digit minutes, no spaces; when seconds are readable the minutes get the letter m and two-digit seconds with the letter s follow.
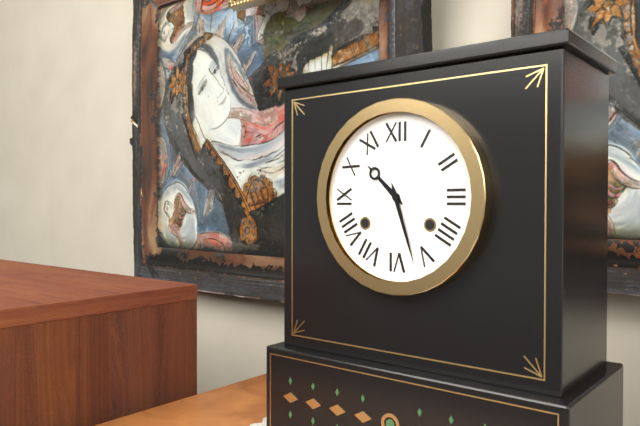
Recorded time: 10h27
